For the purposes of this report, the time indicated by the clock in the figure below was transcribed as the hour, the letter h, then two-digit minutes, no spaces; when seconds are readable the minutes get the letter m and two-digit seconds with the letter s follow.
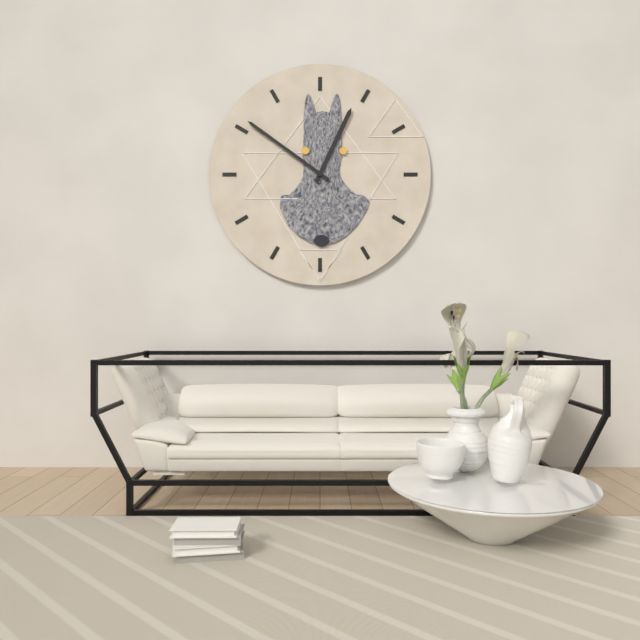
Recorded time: 12h51
